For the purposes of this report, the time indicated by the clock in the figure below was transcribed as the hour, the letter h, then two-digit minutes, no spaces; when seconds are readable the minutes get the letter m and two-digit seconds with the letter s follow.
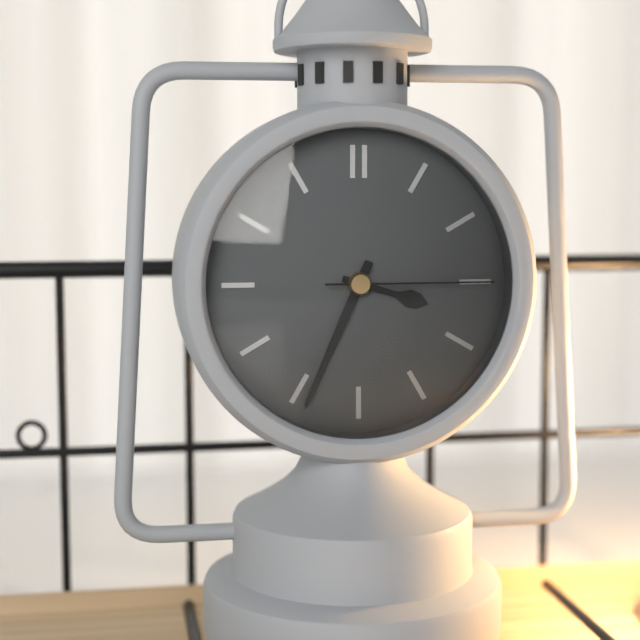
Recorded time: 3h34m15s
